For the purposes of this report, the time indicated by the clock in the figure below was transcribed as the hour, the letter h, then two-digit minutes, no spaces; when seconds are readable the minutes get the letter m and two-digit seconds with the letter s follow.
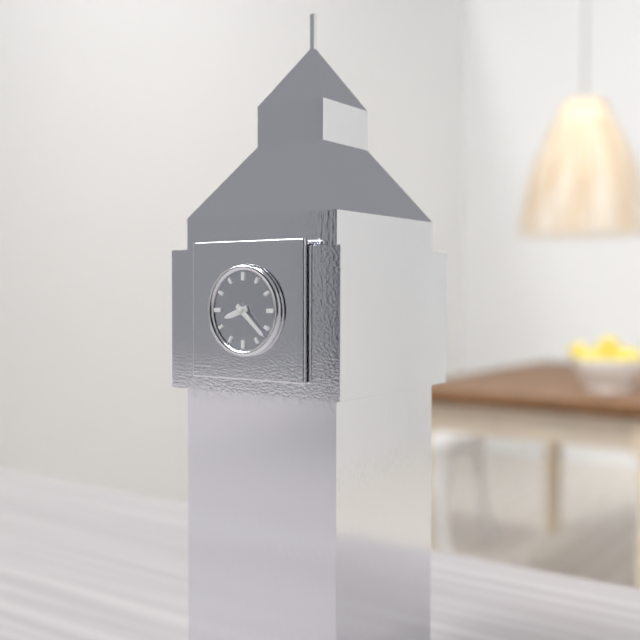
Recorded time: 8h22
